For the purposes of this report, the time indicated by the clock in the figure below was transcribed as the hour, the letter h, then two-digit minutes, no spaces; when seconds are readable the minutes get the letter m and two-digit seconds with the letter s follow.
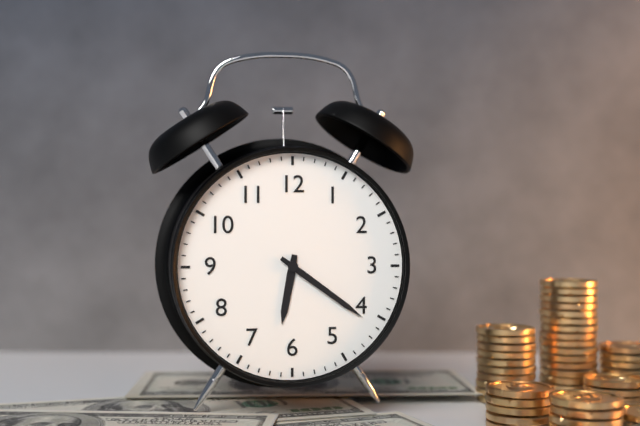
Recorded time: 6h21
